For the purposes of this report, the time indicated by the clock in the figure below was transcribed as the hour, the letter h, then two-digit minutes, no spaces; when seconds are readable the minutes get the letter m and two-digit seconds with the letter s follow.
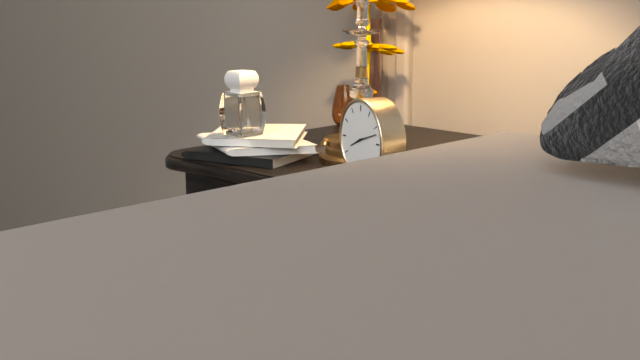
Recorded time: 8h12
